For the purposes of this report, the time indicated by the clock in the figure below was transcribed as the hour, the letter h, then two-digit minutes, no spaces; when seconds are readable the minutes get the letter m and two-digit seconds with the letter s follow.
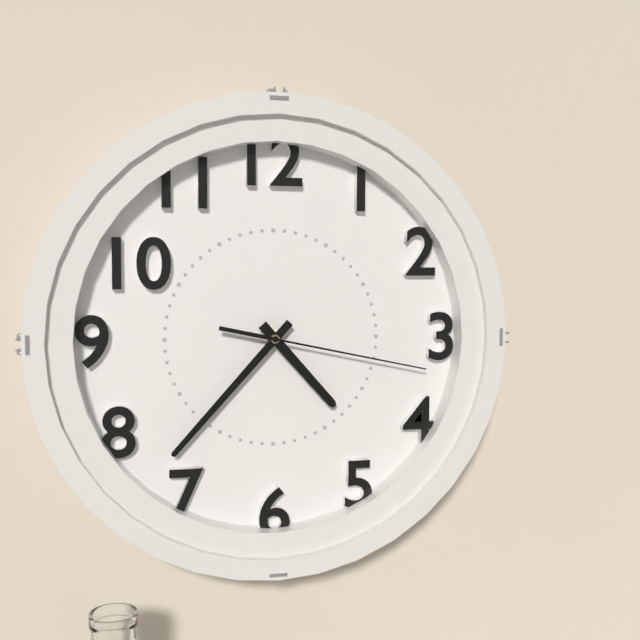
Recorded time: 4h37m17s
